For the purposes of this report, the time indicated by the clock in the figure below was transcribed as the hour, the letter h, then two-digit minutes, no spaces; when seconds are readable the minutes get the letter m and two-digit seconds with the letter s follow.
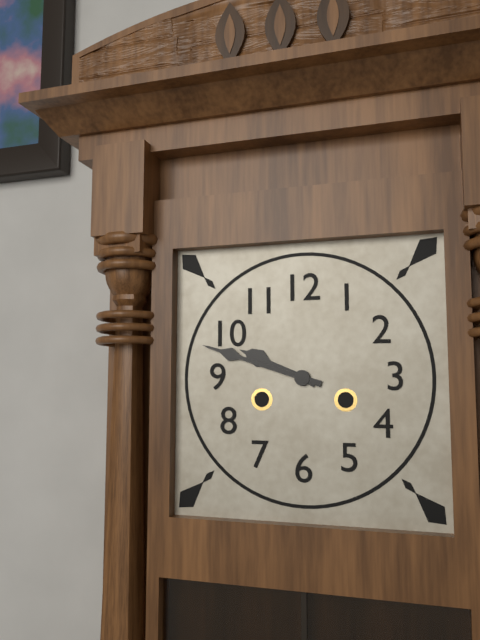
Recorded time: 9h48
